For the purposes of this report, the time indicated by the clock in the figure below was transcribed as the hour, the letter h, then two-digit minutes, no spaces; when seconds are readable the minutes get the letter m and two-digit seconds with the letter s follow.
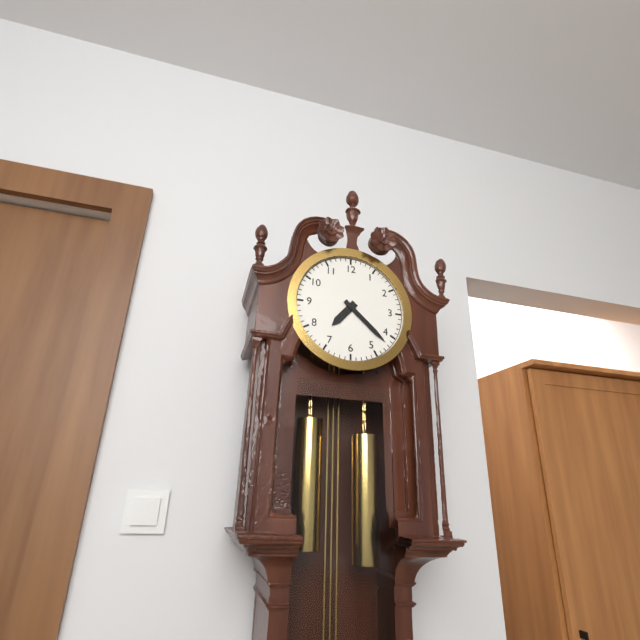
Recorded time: 7h22
